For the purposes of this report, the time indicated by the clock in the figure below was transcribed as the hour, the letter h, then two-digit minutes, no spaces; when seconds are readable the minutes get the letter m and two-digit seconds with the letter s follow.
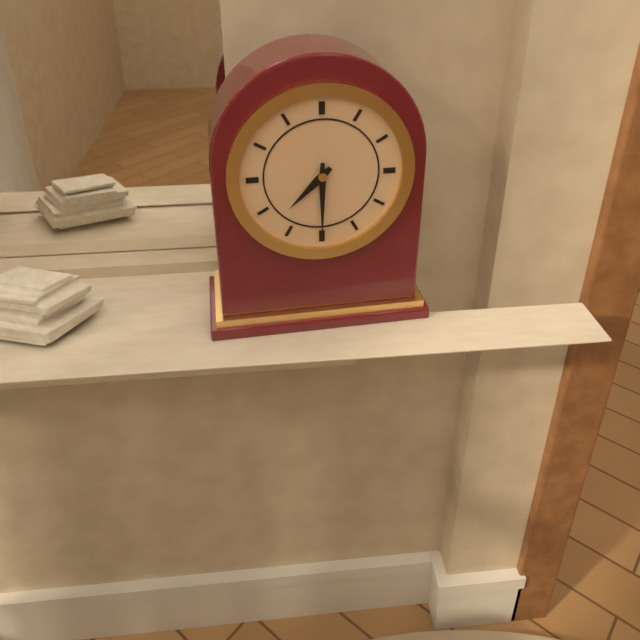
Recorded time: 7h30
